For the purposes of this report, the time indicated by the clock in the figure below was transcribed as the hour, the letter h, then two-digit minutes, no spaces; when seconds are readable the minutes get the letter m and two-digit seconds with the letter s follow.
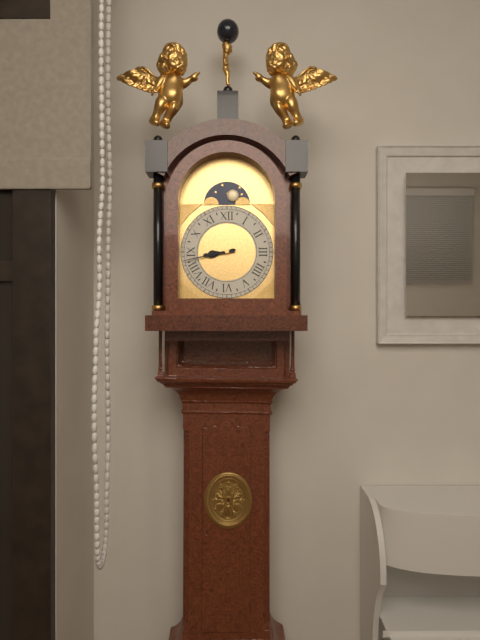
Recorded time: 8h43
